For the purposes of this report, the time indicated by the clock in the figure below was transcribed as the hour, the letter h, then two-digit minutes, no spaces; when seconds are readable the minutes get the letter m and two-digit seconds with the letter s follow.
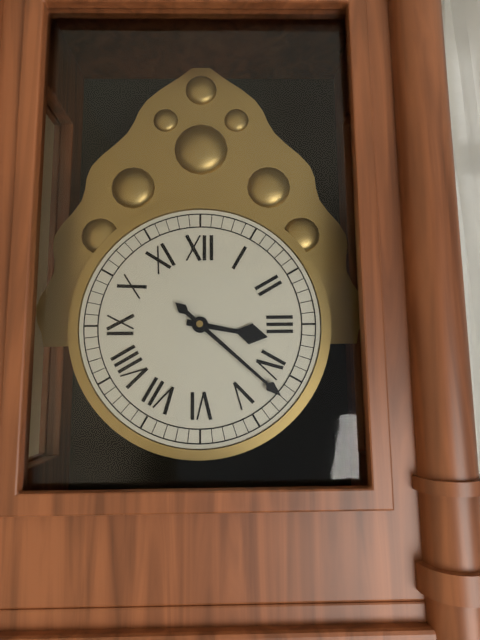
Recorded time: 3h22
